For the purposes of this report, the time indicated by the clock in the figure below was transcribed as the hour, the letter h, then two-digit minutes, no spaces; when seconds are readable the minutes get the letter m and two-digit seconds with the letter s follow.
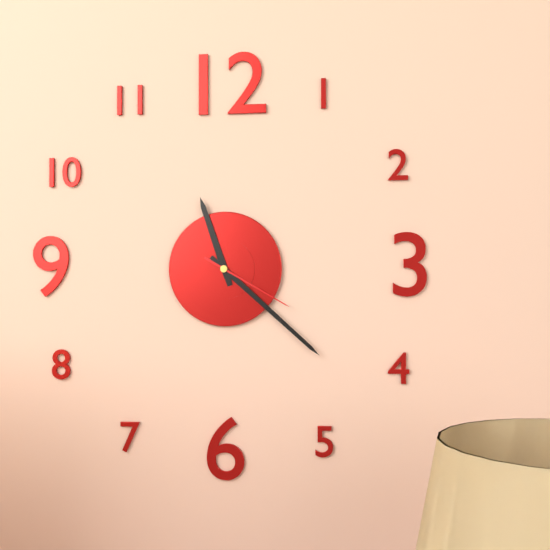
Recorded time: 11h22m20s
